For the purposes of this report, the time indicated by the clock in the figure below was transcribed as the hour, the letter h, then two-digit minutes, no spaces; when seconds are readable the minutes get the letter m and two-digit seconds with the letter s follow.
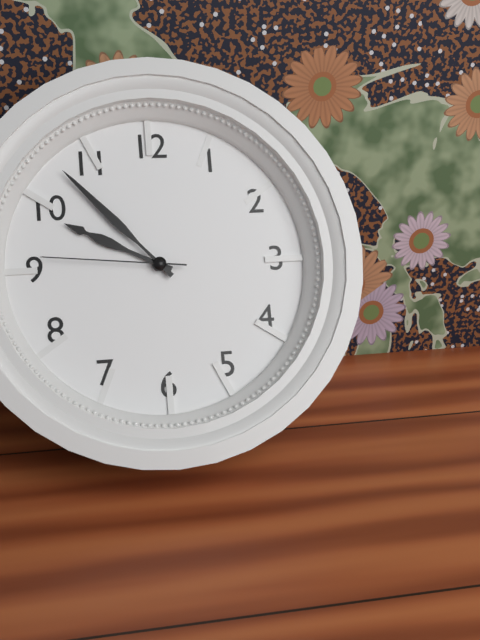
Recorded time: 9h53m46s
